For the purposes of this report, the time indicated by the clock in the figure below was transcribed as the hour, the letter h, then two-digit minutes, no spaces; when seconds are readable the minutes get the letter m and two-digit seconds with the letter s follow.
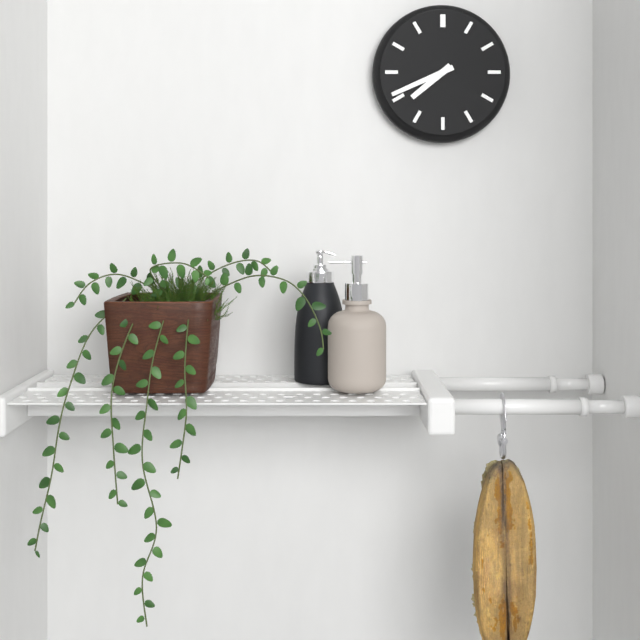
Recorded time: 7h41
